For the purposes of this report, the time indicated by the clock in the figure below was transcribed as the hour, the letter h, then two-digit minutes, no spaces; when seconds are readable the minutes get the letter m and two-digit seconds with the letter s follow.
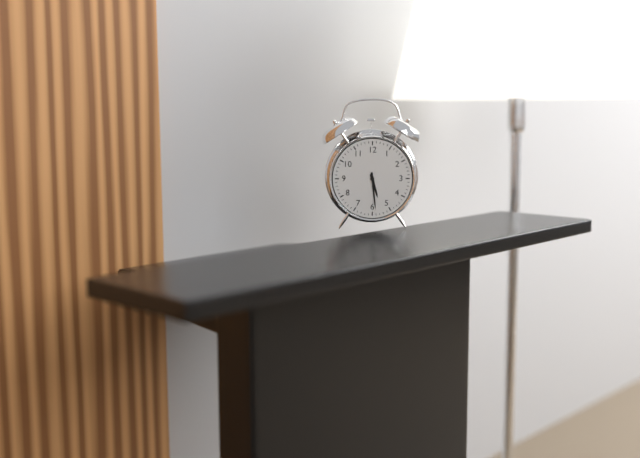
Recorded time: 5h29
